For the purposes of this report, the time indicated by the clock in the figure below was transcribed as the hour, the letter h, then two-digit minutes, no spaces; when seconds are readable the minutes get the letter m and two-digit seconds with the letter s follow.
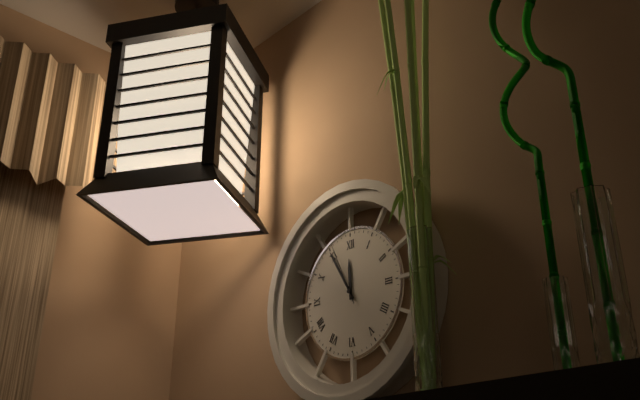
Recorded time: 11h55m56s
